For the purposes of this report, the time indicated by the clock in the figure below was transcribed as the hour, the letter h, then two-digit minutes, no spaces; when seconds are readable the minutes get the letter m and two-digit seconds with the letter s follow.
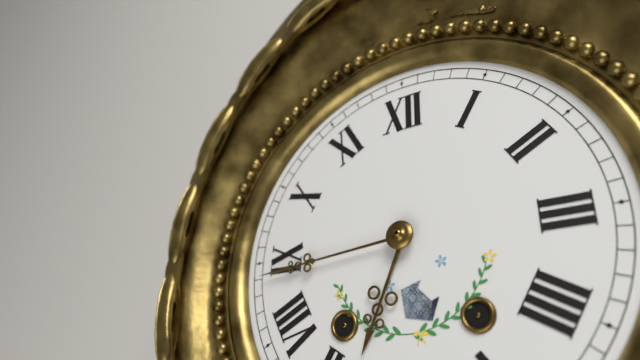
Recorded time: 6h44
